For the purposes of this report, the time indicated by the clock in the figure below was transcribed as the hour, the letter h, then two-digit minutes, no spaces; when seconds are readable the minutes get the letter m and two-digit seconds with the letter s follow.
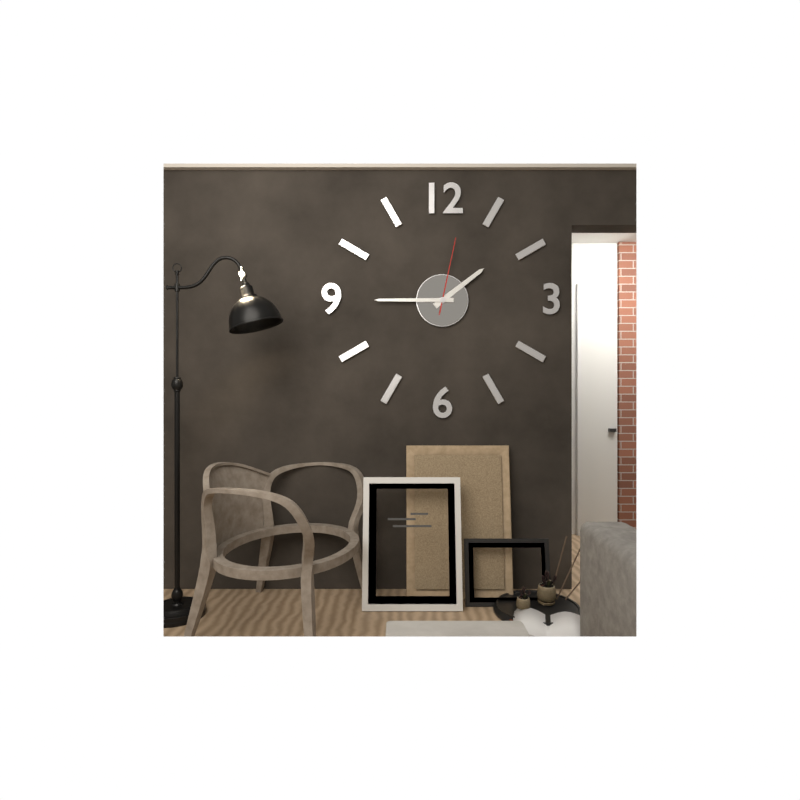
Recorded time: 1h45m02s
